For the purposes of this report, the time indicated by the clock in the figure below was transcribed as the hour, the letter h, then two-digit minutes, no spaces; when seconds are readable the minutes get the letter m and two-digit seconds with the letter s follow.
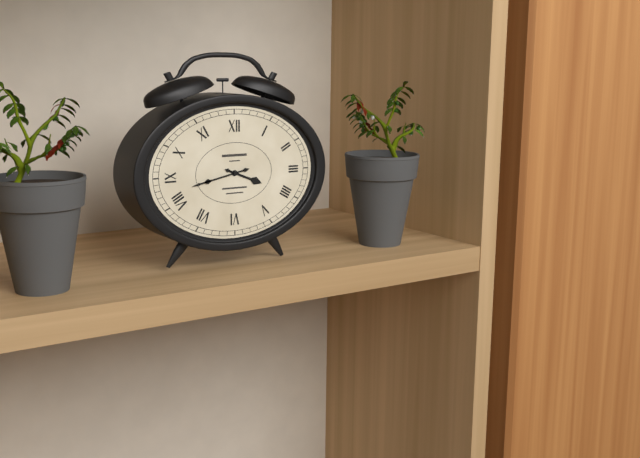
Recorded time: 3h43
